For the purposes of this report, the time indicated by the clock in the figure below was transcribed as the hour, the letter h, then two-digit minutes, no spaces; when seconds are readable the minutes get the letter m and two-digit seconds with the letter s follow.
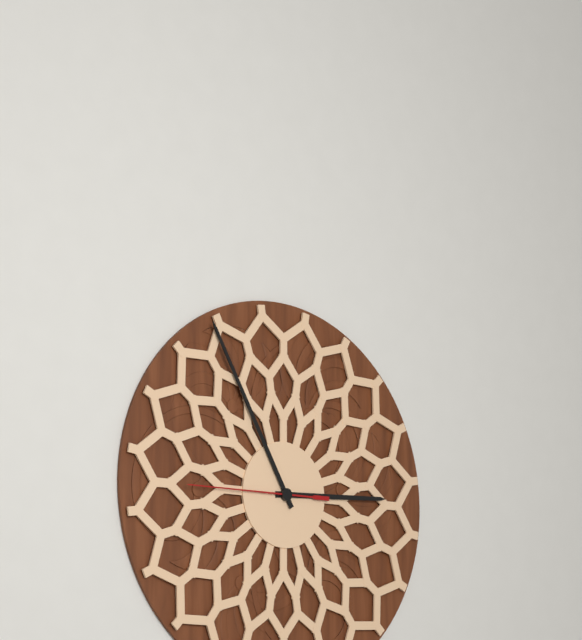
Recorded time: 2h55m45s
